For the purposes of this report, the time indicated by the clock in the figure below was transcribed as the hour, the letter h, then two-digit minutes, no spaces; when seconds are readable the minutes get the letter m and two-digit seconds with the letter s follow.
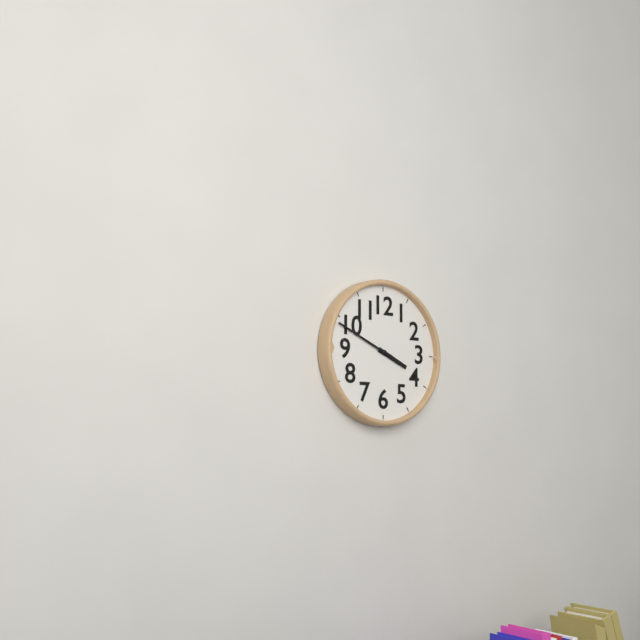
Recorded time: 3h49
